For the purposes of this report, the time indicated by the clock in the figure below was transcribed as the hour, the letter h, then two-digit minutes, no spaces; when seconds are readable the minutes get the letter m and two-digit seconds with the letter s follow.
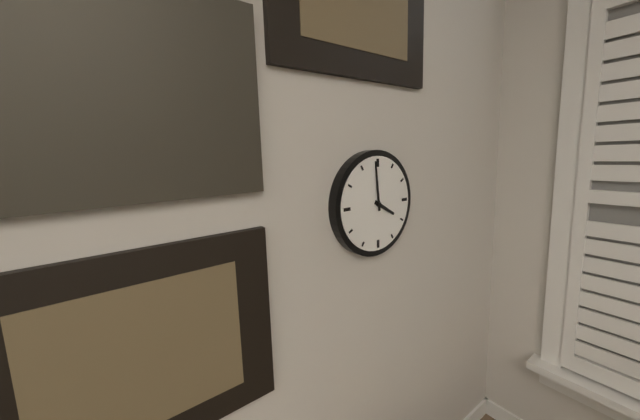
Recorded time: 3h59
